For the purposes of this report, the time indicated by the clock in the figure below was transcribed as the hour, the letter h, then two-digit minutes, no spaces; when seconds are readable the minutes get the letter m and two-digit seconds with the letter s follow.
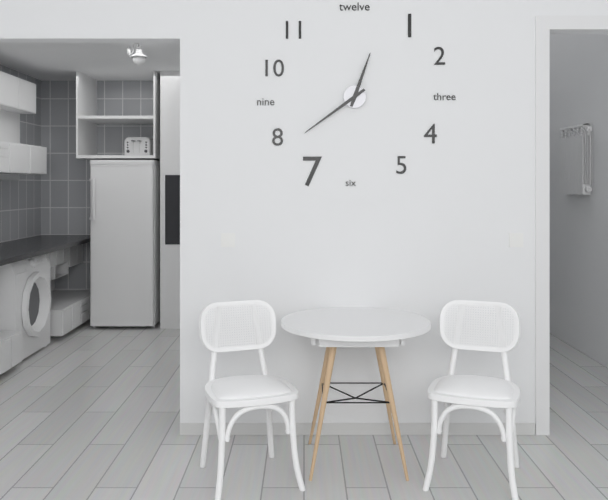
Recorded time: 12h39
